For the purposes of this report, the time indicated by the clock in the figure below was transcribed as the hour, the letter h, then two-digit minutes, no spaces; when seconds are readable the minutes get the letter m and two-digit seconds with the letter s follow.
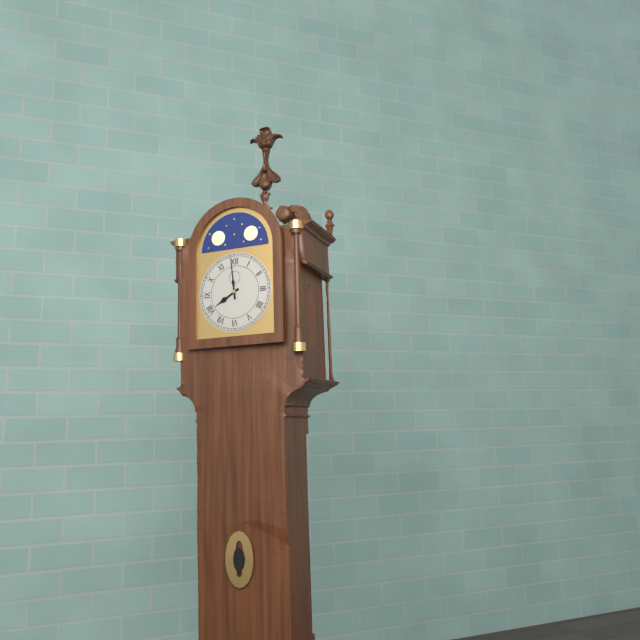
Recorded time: 7h59
